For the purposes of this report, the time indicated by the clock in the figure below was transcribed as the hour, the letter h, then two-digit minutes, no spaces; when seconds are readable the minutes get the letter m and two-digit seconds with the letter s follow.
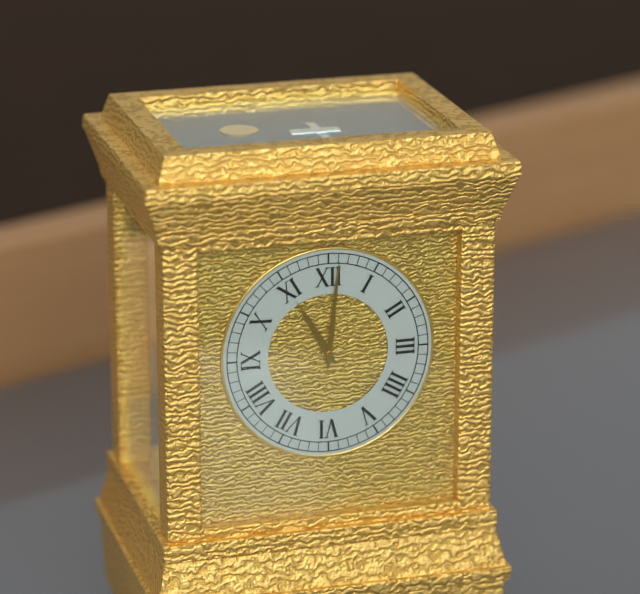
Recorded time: 11h01
